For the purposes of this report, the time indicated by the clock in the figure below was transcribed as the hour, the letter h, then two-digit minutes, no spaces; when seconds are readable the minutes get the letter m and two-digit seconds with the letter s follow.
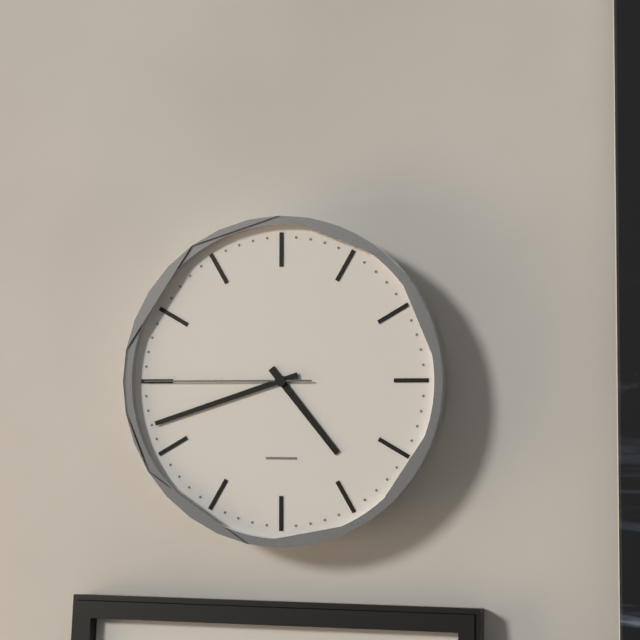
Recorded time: 4h42m45s
